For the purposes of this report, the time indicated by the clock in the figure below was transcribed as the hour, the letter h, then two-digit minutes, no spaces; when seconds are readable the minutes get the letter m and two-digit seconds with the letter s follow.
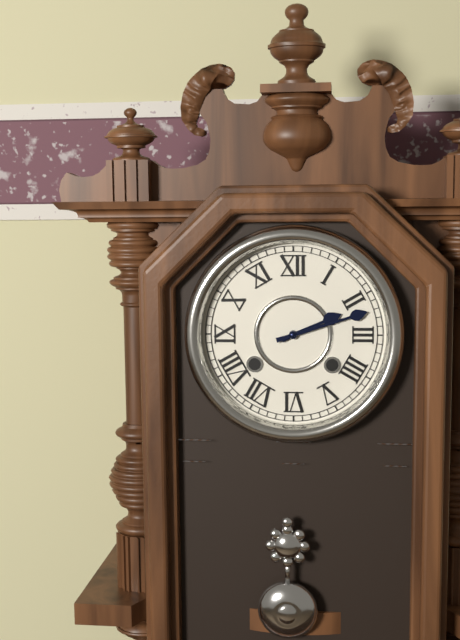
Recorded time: 2h12
